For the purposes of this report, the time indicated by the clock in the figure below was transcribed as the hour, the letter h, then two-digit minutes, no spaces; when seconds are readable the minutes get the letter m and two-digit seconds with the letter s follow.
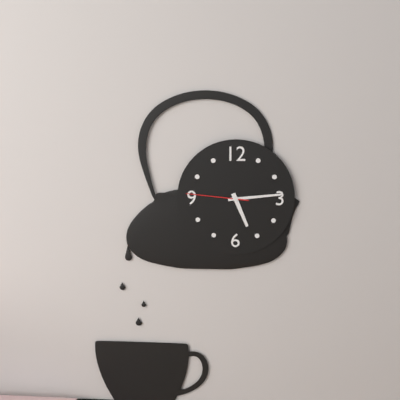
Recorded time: 5h14m46s
